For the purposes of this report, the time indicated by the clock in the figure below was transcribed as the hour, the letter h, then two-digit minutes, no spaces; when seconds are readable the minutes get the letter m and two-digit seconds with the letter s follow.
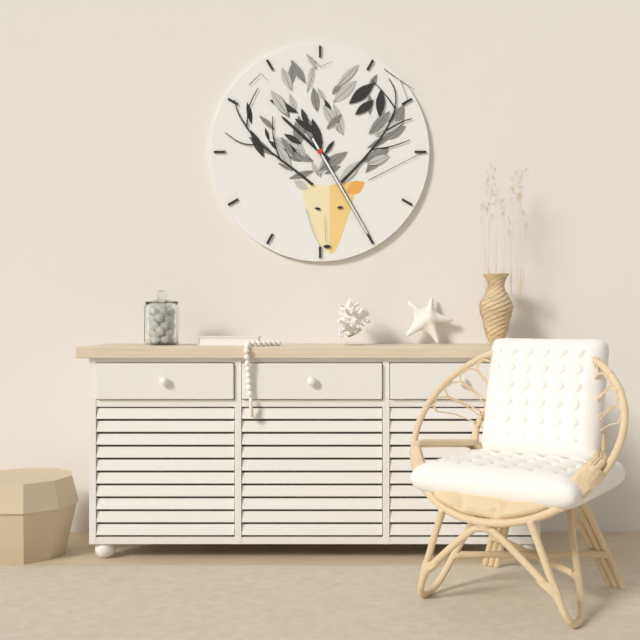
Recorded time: 10h25
